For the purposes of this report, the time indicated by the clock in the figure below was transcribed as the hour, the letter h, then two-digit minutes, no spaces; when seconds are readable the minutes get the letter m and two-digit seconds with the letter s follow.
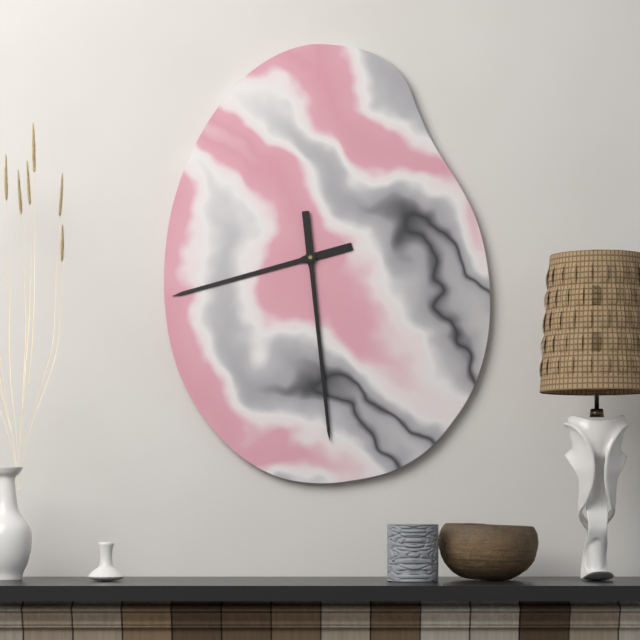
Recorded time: 8h29
